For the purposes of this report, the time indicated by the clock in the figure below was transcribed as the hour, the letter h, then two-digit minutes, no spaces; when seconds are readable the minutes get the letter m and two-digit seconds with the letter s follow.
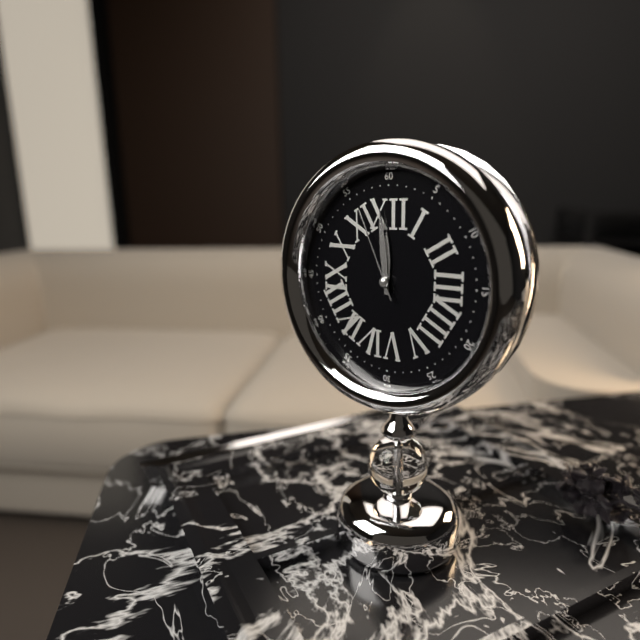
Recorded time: 11h59m56s
